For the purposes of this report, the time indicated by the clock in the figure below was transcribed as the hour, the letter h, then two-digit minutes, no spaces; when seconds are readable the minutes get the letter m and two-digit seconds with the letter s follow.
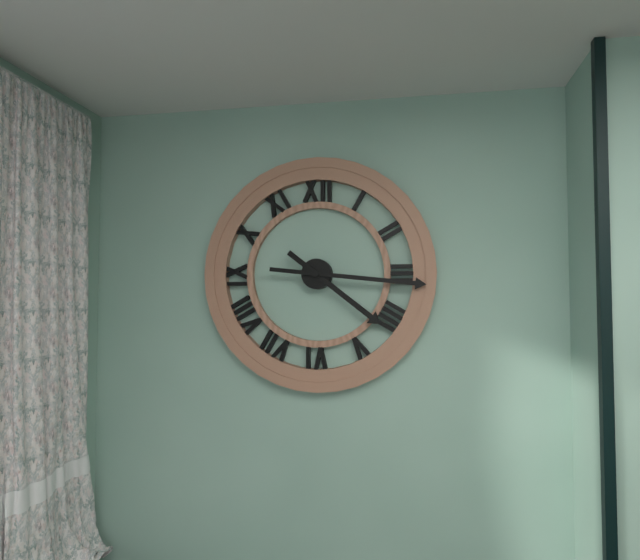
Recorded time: 4h16
